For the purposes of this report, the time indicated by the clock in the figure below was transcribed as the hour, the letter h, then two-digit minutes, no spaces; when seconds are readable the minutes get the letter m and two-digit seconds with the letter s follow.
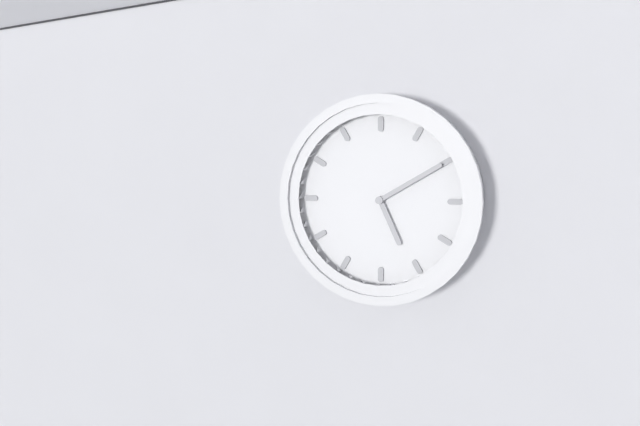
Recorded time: 5h10
